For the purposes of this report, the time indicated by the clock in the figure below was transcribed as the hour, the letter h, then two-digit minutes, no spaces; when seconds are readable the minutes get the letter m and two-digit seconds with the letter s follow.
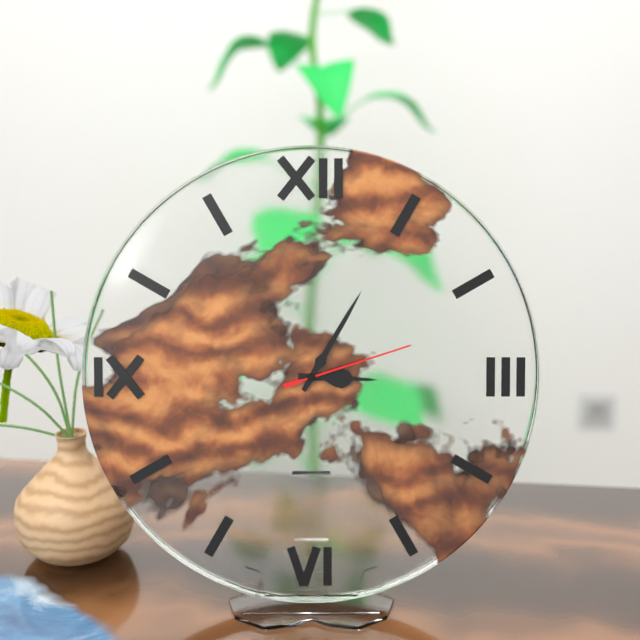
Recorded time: 3h05m12s
